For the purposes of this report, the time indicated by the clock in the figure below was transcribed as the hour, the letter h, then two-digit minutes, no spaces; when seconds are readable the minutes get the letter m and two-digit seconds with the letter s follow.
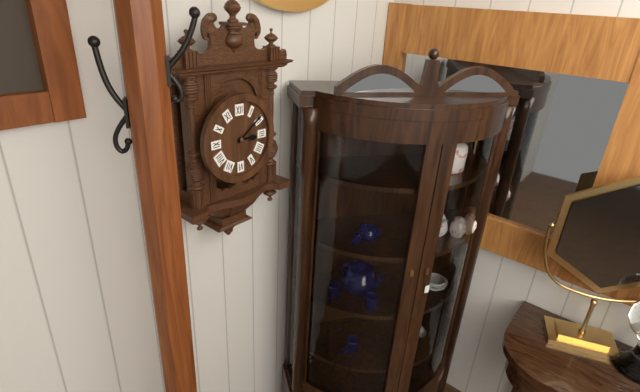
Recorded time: 3h09
